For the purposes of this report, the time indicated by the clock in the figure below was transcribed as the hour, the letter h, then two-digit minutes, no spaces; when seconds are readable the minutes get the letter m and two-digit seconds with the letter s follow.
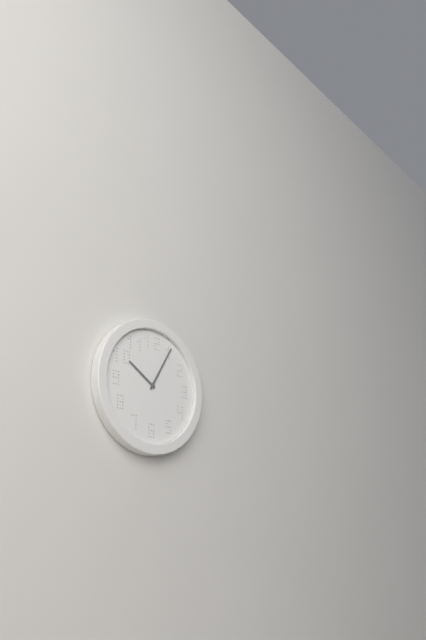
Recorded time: 10h05
